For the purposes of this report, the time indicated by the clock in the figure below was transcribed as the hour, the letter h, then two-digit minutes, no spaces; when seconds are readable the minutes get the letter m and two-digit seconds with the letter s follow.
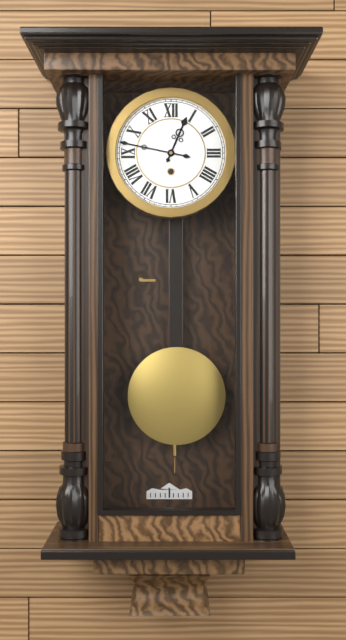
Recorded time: 12h47
